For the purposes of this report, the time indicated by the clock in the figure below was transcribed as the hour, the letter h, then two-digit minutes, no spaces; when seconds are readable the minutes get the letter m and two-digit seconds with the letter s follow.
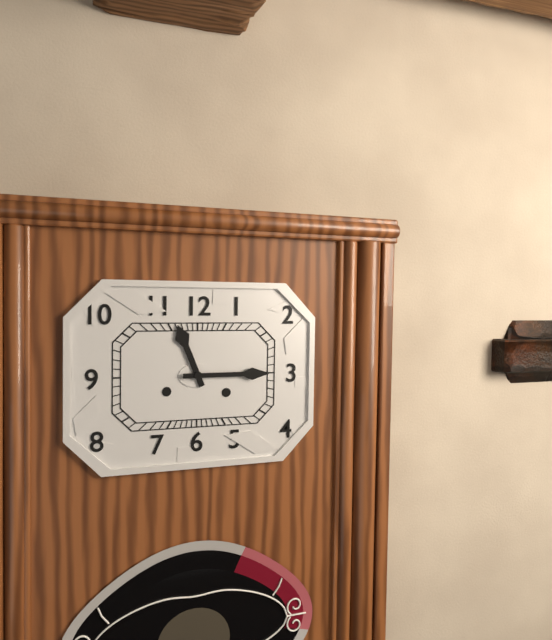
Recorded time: 11h15
